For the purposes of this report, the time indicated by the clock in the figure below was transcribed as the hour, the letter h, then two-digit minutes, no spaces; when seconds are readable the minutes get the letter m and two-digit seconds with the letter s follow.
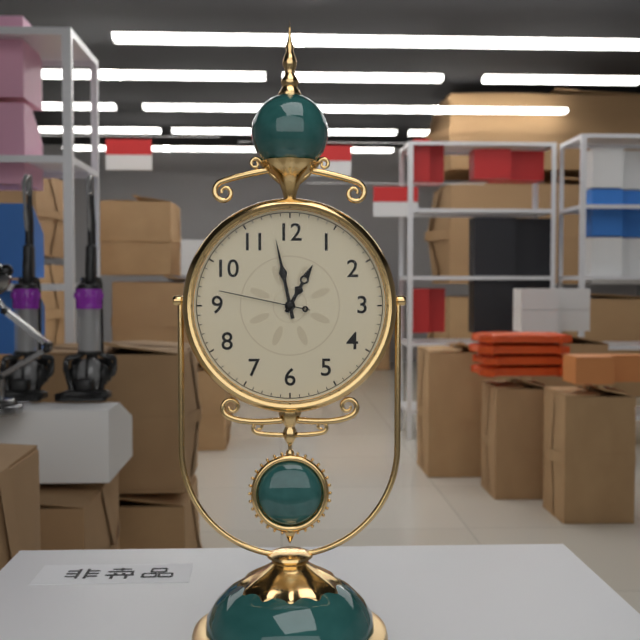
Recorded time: 12h58m47s
